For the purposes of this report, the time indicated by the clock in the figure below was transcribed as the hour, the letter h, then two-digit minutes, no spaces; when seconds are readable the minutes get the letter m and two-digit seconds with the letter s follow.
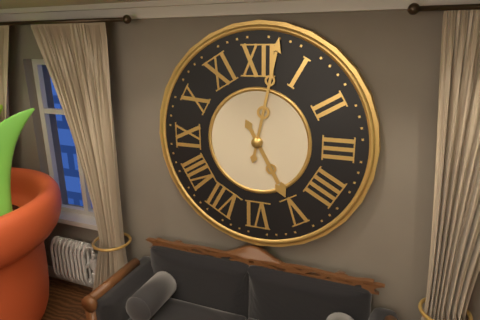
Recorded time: 5h02
